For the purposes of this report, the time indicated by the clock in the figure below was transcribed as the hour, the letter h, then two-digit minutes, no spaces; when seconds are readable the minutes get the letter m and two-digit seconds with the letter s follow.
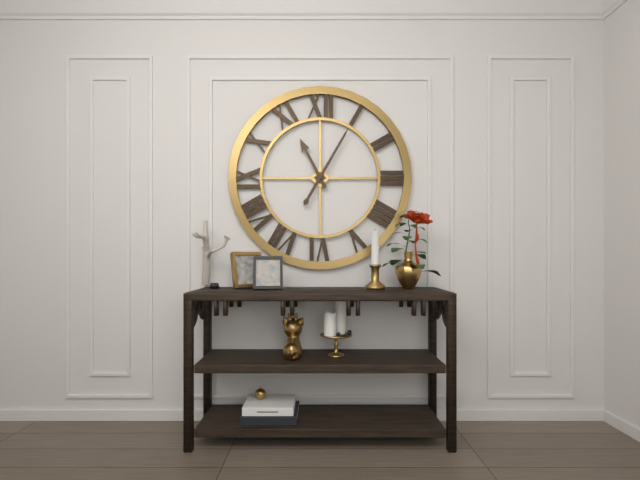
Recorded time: 11h05
